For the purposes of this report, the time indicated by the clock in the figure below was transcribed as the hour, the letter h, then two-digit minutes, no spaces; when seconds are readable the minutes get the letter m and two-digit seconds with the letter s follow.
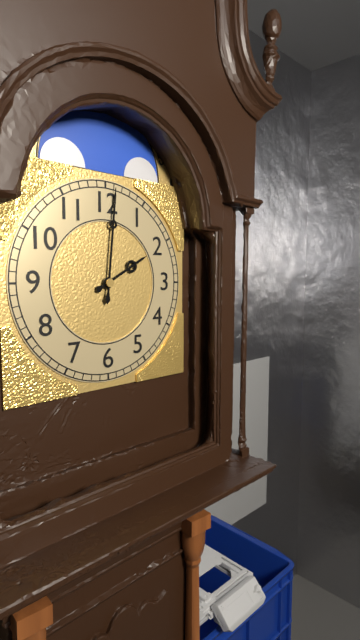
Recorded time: 2h01
